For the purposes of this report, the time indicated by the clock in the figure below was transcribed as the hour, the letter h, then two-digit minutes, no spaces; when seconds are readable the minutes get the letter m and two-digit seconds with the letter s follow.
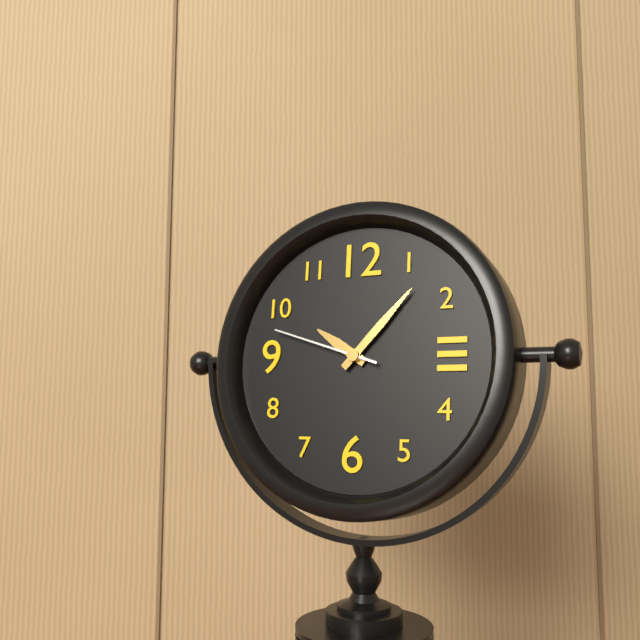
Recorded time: 10h07m48s
